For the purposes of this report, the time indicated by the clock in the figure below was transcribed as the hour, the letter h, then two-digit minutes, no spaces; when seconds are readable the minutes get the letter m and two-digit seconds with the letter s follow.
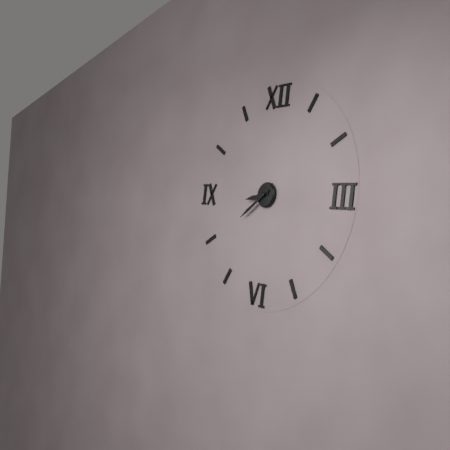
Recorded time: 8h39
